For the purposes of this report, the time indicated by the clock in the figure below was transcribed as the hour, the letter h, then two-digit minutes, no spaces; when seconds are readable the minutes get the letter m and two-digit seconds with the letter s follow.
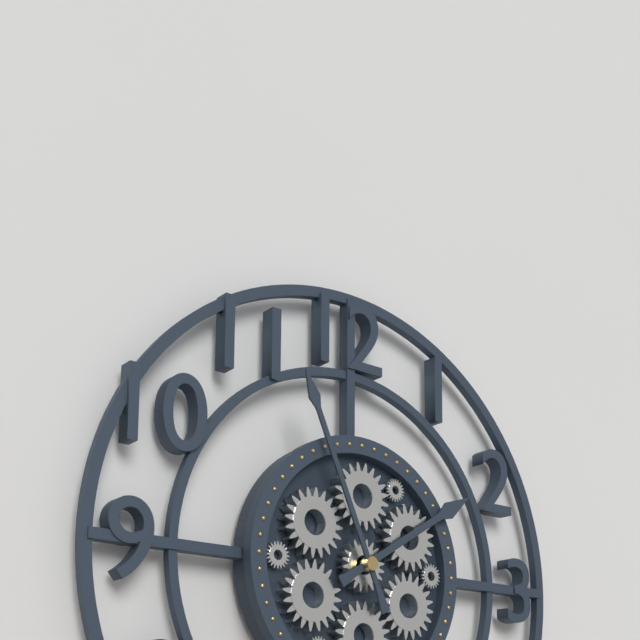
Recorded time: 1h56
